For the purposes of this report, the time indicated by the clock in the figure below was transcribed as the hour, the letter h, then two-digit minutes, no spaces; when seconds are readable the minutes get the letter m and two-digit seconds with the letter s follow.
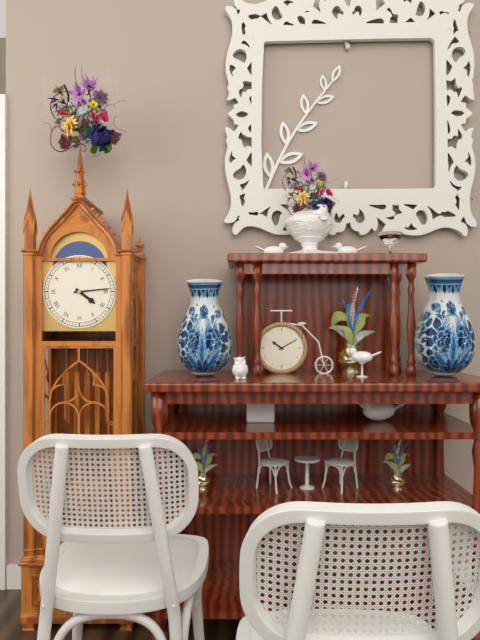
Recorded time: 4h14
